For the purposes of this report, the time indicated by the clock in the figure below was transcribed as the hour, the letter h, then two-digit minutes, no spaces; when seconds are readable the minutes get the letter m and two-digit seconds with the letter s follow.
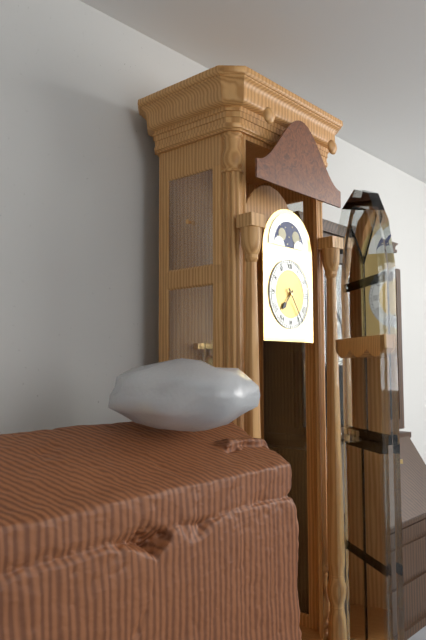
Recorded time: 7h24
